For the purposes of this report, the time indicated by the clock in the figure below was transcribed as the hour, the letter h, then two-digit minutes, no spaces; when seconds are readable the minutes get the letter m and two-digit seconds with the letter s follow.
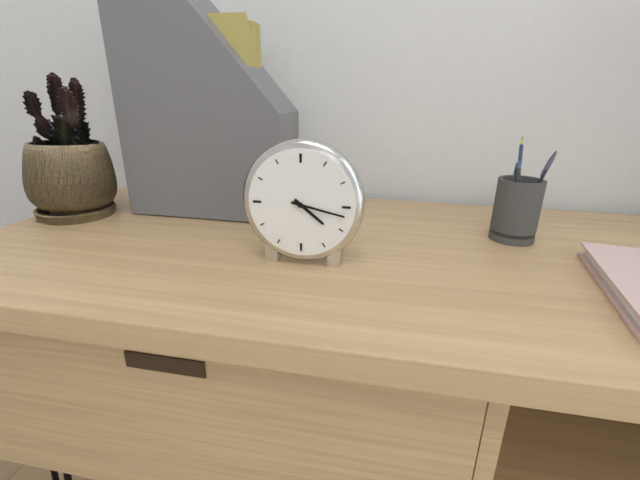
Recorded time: 4h17
